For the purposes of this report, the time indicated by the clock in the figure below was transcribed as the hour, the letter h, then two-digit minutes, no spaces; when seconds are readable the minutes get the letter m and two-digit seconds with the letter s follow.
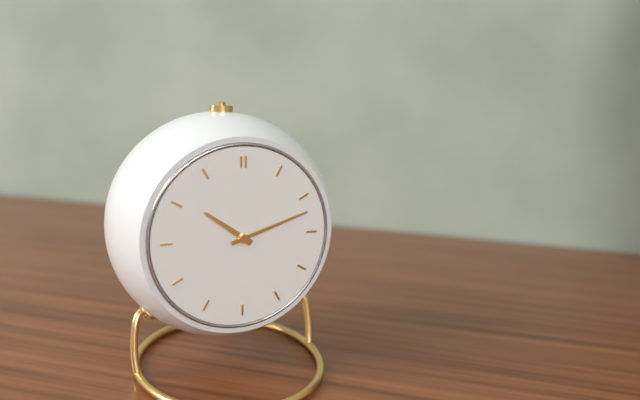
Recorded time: 10h12
